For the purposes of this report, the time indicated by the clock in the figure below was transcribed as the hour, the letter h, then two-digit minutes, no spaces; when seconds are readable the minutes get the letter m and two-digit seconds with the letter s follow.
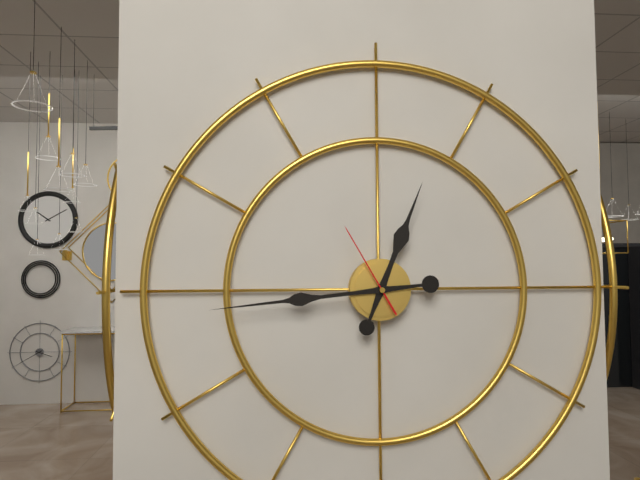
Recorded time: 12h44m55s
